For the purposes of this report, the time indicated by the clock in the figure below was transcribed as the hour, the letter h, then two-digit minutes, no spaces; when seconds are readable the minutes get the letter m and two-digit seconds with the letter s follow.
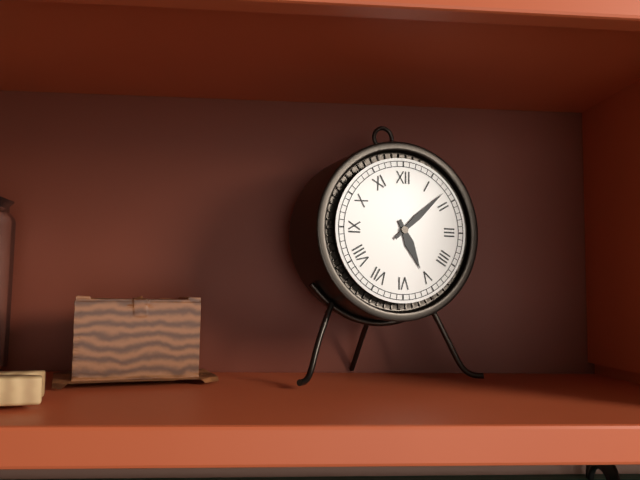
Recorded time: 5h08
